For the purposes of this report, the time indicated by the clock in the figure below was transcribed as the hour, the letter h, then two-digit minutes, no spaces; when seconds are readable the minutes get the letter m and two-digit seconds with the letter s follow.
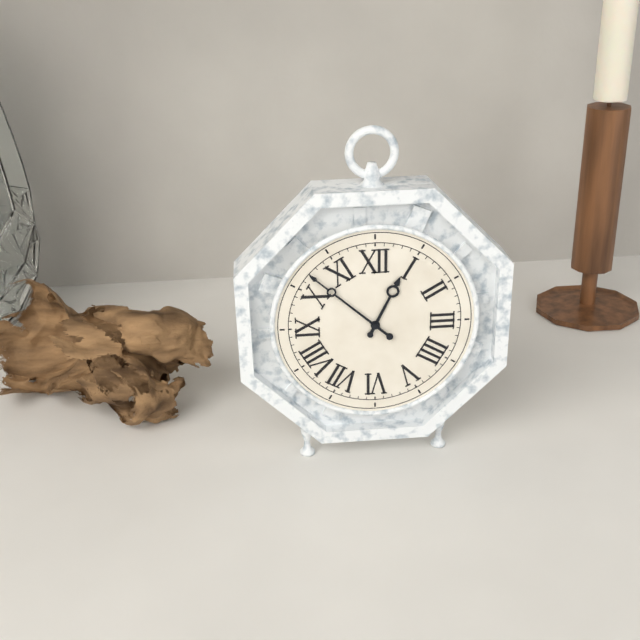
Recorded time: 12h52
